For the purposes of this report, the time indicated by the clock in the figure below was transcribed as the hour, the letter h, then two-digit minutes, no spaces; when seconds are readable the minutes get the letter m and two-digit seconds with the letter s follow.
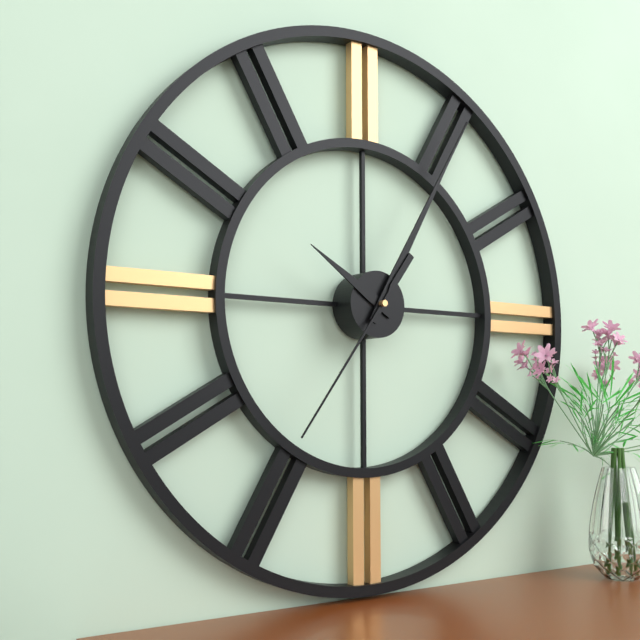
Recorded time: 10h05m36s
